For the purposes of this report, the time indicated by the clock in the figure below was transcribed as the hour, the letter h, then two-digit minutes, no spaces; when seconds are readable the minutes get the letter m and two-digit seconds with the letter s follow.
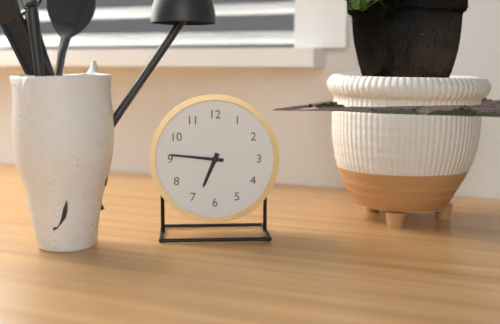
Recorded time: 6h46
